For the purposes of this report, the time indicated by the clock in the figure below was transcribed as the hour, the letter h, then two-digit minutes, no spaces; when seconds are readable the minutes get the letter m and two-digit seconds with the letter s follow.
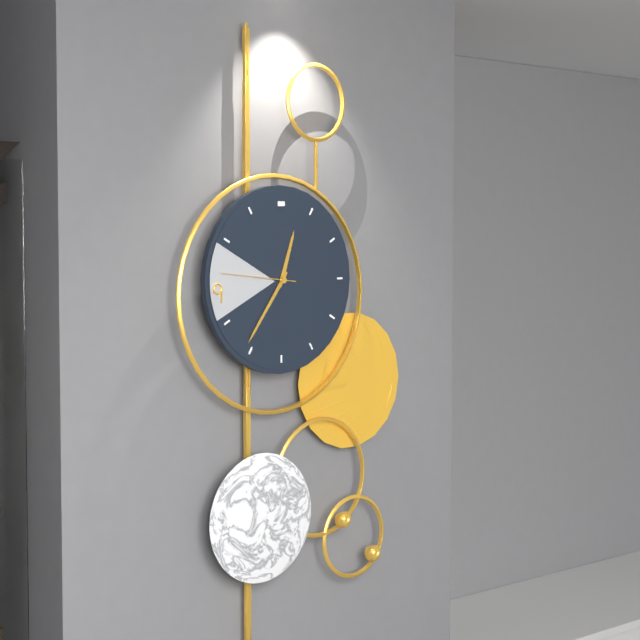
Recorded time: 12h36m46s
